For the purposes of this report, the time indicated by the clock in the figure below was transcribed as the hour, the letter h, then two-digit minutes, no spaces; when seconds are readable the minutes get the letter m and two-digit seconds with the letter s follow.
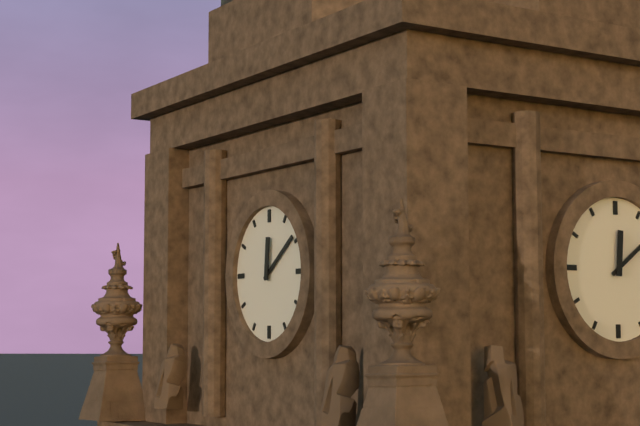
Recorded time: 12h09
